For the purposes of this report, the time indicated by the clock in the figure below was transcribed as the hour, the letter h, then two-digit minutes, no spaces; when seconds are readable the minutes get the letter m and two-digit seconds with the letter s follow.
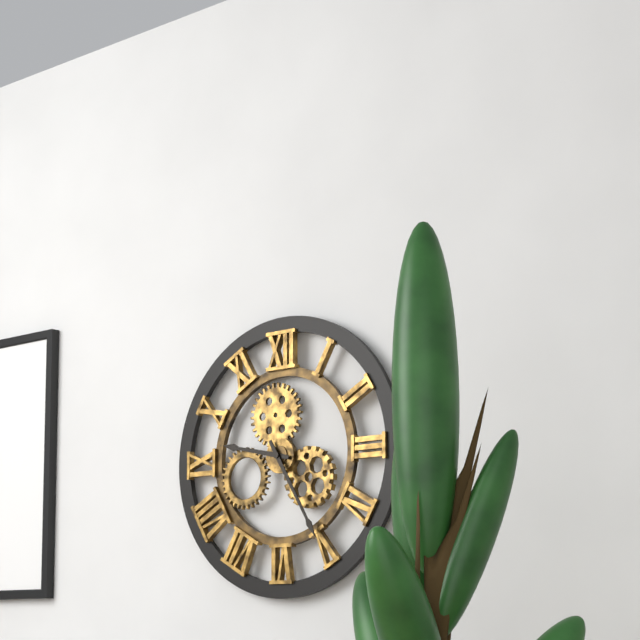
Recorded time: 9h25
